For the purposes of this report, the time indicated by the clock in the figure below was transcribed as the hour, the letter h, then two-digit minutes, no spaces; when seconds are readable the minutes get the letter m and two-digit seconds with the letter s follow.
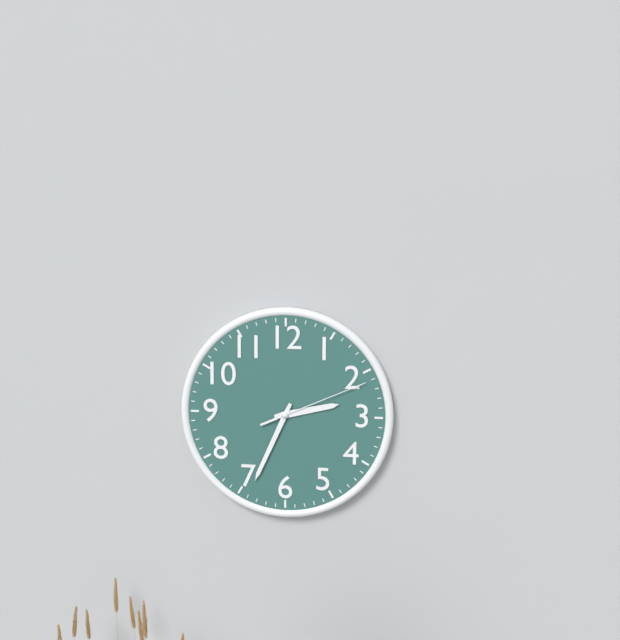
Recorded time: 2h34m11s
